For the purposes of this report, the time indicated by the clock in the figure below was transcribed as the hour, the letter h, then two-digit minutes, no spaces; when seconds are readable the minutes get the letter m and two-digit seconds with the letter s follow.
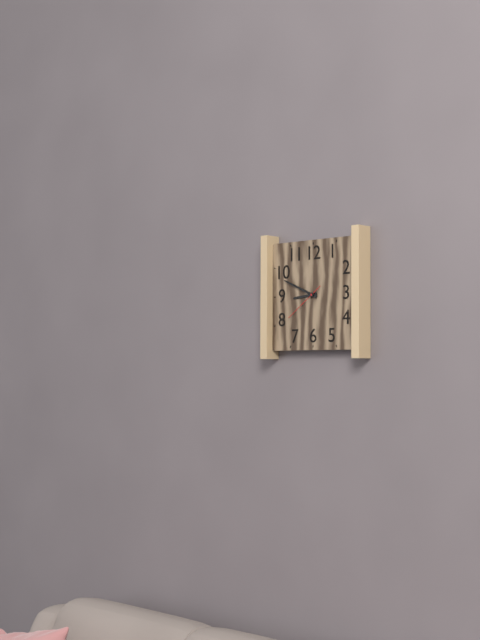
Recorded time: 8h49
